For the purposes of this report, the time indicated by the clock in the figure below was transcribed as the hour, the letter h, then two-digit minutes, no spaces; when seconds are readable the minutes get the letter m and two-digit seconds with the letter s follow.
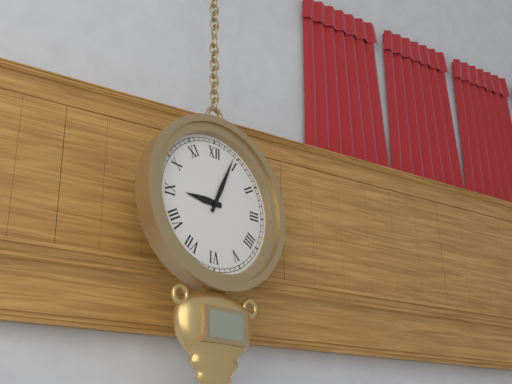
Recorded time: 9h04
